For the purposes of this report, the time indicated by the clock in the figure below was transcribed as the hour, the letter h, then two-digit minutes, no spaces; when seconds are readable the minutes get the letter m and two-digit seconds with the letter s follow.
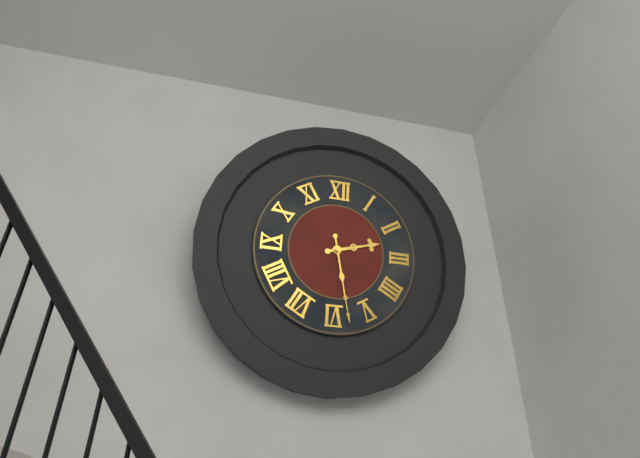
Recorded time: 2h28
